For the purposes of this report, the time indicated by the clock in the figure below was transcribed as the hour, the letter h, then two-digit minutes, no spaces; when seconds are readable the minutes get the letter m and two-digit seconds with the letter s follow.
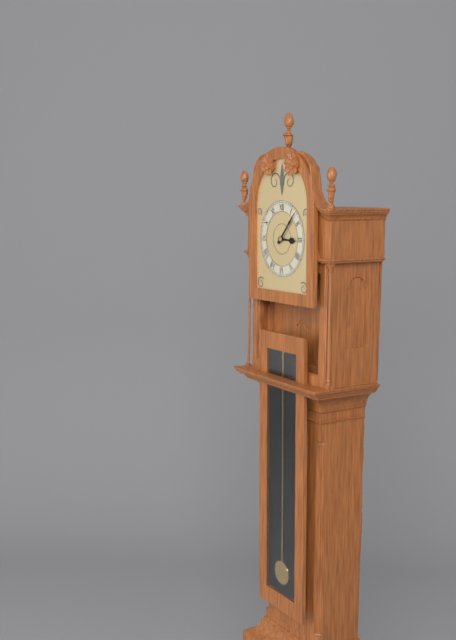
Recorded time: 3h07
